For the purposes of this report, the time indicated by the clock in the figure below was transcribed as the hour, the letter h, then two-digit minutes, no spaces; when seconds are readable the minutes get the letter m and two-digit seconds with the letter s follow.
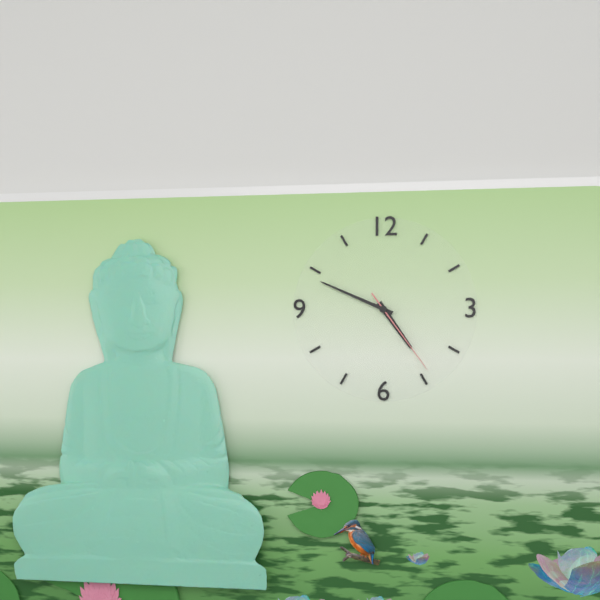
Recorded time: 4h49m24s
